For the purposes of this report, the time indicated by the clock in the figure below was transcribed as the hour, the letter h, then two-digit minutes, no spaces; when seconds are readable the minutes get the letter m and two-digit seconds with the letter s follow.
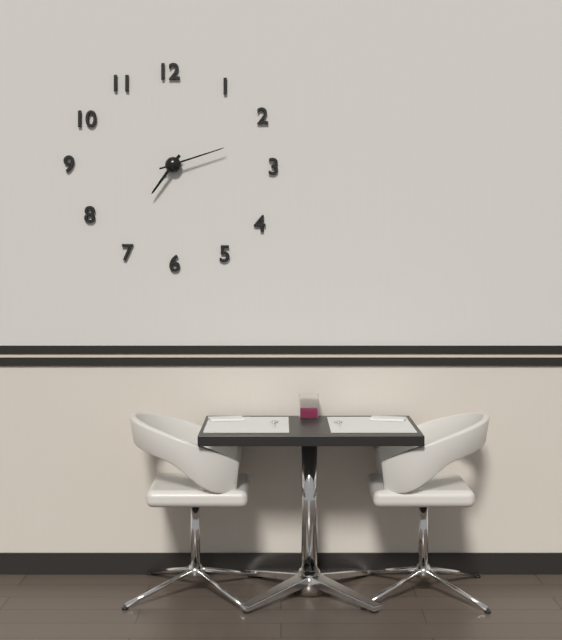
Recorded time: 7h12
